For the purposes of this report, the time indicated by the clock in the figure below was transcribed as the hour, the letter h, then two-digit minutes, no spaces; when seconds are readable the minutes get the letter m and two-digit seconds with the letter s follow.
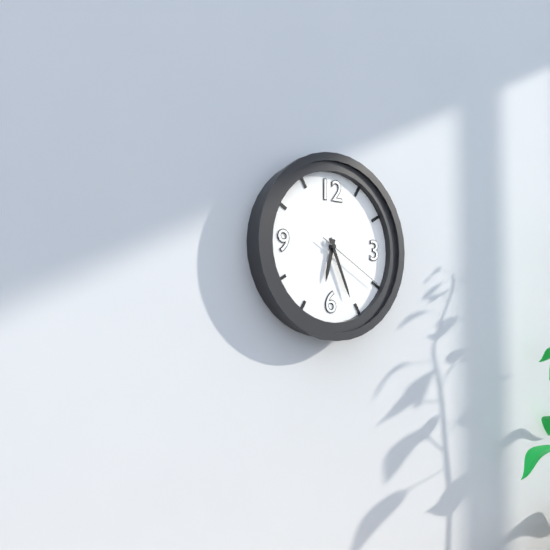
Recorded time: 6h26m20s
